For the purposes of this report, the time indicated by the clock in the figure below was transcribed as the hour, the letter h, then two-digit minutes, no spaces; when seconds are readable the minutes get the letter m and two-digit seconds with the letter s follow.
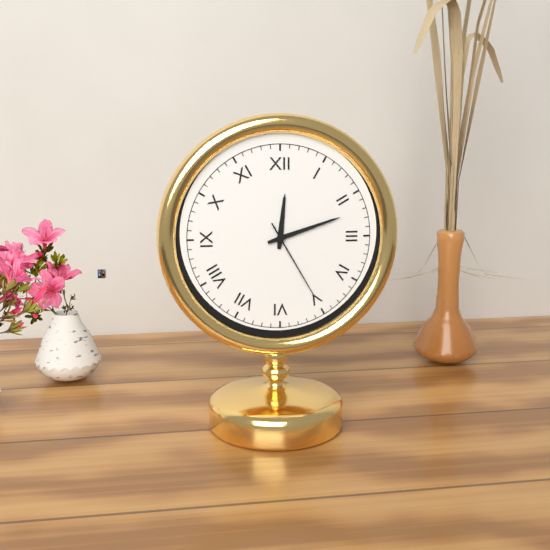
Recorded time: 12h12m25s
